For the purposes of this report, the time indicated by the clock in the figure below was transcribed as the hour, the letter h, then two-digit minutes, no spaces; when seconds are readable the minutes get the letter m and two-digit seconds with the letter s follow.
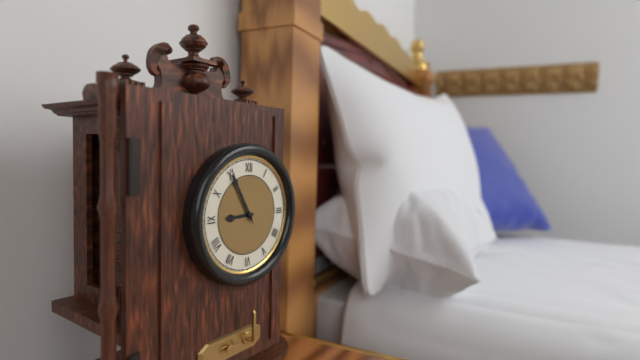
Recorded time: 8h55
